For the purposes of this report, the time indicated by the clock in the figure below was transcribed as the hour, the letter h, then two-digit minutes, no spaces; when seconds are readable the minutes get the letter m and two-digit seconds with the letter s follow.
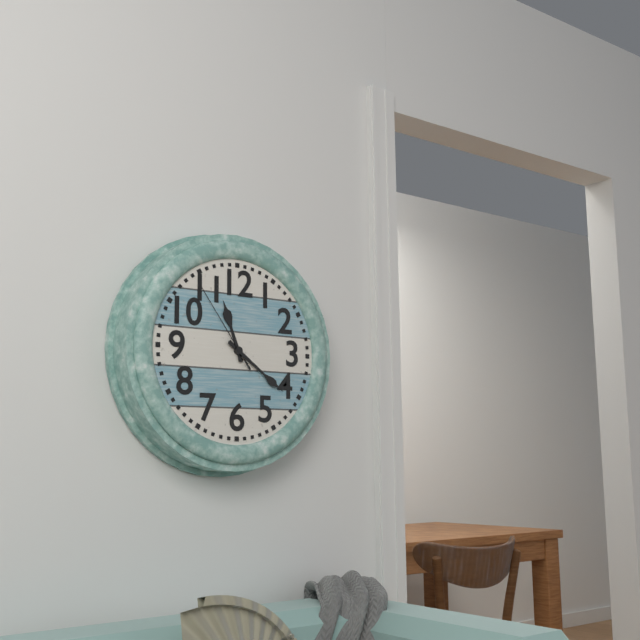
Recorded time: 11h21m54s
